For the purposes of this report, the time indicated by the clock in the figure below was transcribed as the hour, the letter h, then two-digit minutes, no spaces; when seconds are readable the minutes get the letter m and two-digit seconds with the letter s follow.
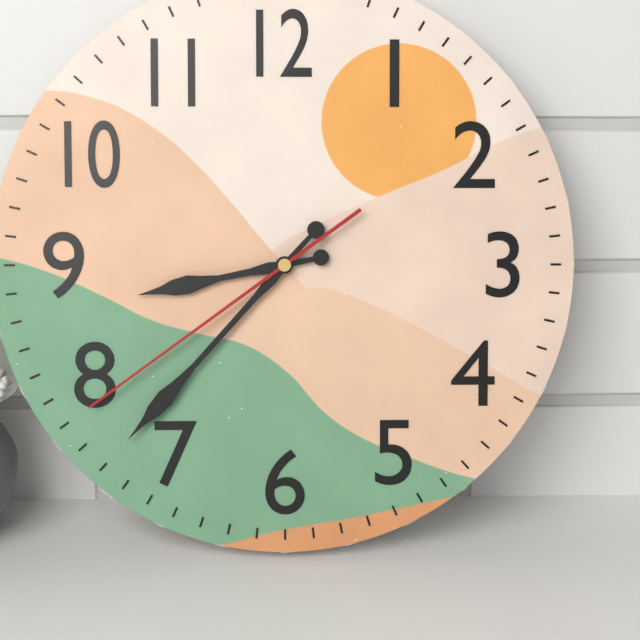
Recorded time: 8h37m39s
